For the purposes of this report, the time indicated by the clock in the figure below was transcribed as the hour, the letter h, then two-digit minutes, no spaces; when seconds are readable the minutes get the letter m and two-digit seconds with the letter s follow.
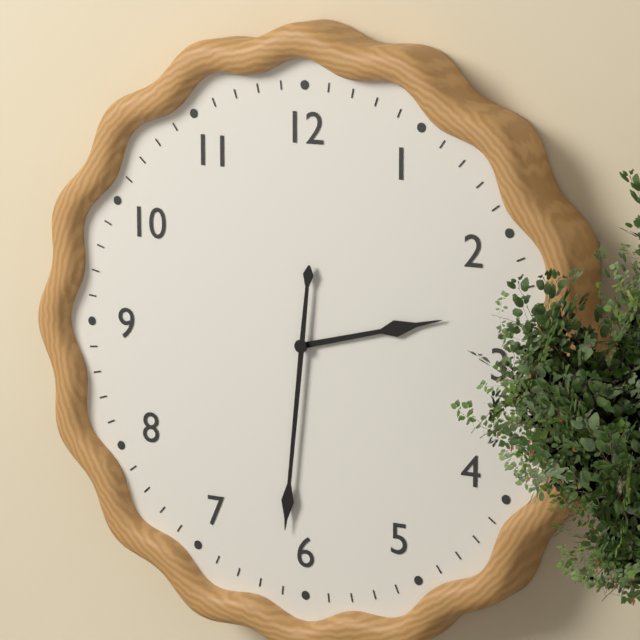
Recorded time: 2h31
